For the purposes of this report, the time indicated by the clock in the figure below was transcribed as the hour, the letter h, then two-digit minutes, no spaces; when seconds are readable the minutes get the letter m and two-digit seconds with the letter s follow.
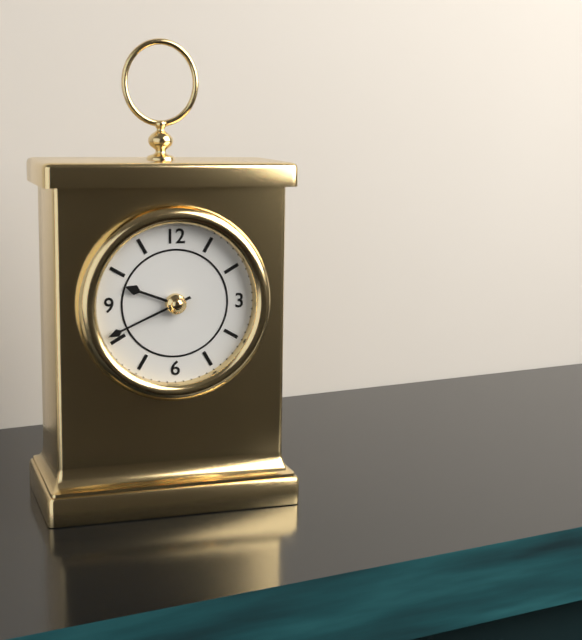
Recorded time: 9h41
